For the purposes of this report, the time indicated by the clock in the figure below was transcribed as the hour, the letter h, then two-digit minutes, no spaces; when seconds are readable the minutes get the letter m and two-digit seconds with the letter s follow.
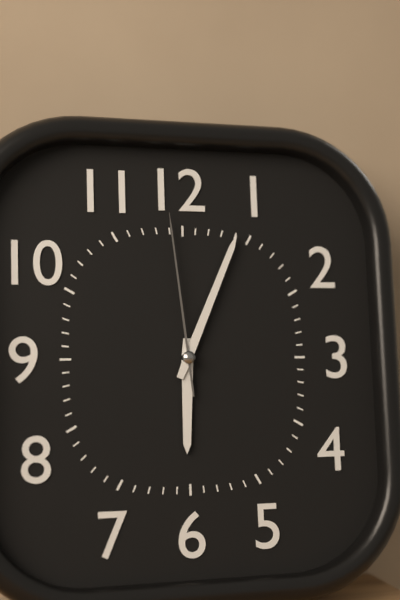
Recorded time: 6h04m59s
